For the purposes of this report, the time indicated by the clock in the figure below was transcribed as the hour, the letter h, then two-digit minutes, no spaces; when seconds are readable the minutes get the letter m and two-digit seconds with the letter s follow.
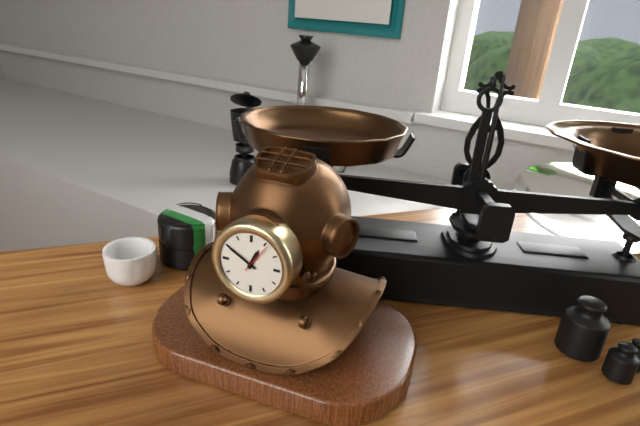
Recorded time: 12h50
